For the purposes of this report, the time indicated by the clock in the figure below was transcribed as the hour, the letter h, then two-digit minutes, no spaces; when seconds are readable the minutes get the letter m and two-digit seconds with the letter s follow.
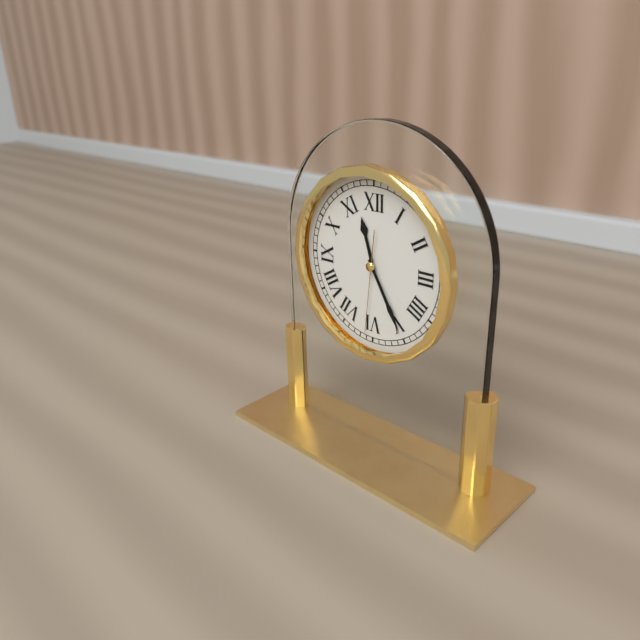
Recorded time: 11h25m31s
